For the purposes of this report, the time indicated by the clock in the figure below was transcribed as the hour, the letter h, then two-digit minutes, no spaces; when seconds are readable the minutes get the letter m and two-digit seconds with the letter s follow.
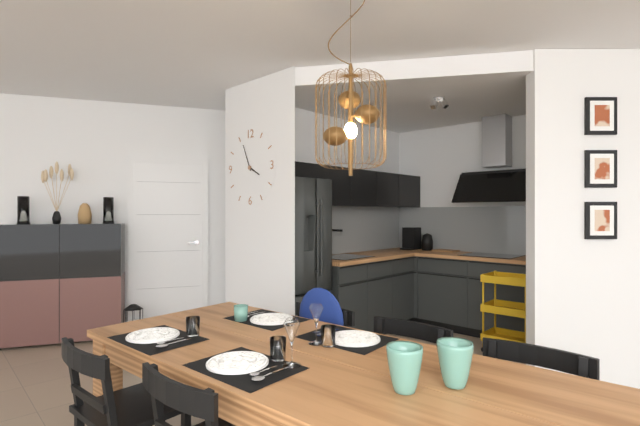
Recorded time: 3h56
